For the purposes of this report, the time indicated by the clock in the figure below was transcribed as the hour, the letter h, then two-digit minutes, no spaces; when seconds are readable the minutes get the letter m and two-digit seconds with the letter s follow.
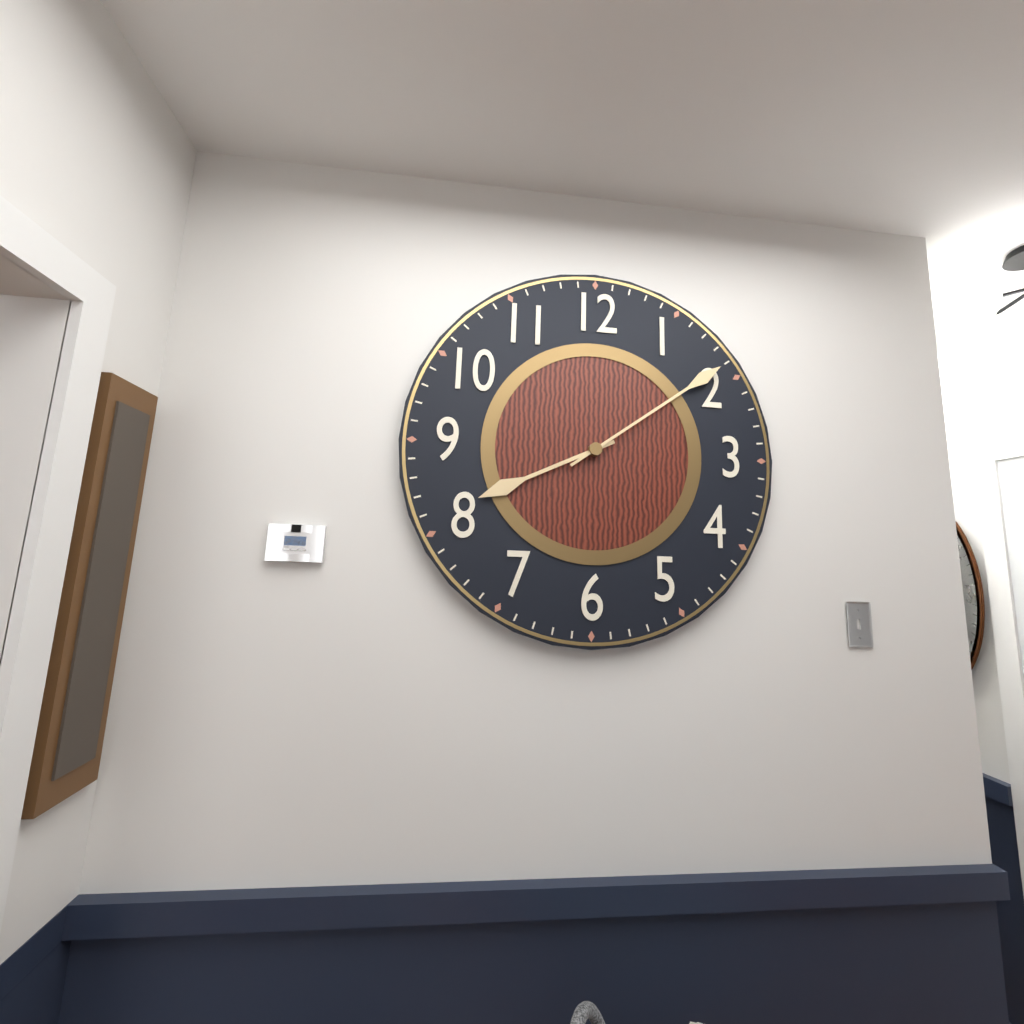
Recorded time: 8h09
